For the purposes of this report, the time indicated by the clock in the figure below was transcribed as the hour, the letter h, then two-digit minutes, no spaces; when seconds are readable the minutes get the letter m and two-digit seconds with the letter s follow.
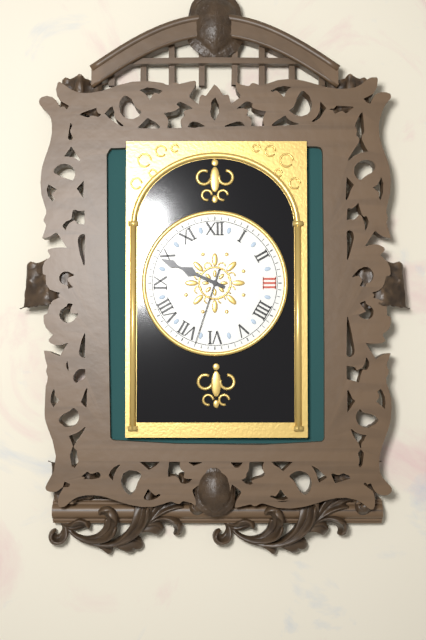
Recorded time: 9h49m33s
